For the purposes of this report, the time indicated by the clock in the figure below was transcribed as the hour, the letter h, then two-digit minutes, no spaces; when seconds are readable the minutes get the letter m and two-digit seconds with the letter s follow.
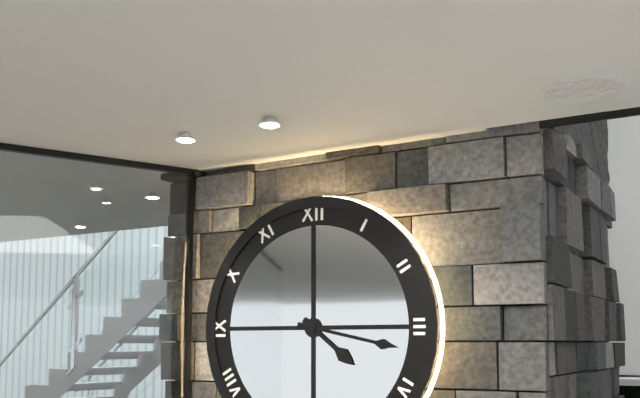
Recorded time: 4h17
